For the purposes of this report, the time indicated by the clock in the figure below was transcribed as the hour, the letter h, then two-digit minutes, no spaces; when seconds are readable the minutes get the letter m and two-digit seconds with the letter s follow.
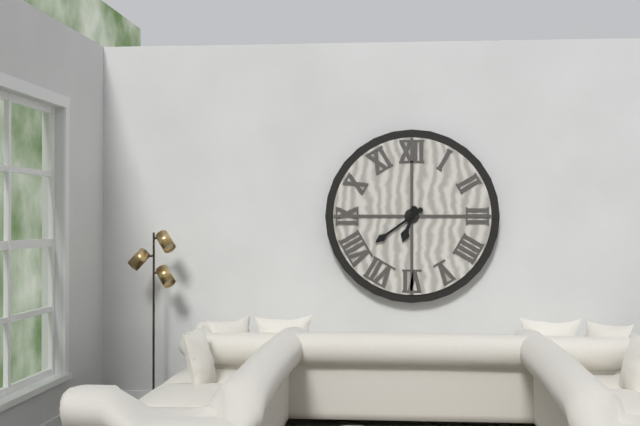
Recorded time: 6h39
